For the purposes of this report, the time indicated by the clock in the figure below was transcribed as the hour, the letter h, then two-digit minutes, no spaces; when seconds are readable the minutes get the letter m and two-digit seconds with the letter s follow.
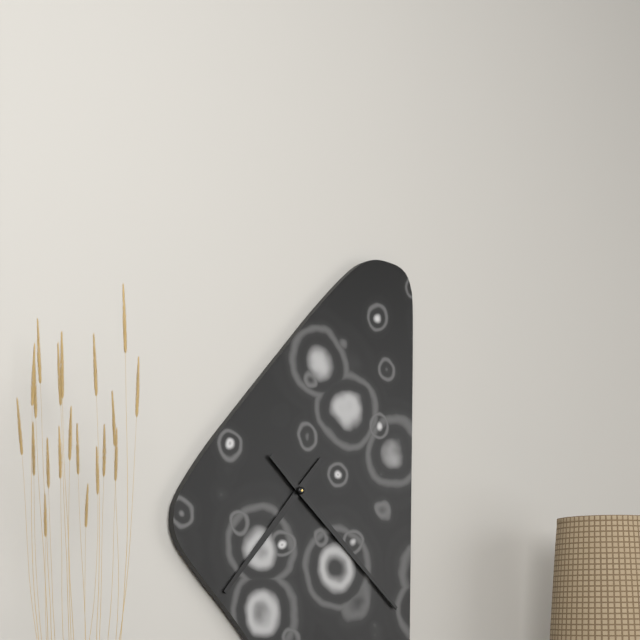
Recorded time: 7h22
